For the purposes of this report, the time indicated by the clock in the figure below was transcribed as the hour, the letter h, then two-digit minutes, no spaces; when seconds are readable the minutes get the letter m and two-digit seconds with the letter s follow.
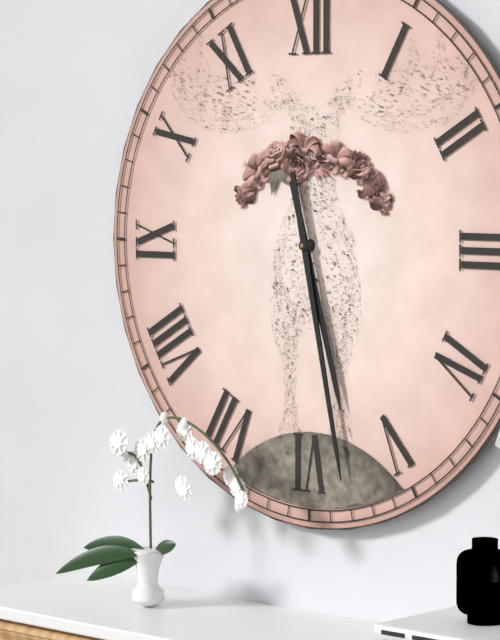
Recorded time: 5h28
